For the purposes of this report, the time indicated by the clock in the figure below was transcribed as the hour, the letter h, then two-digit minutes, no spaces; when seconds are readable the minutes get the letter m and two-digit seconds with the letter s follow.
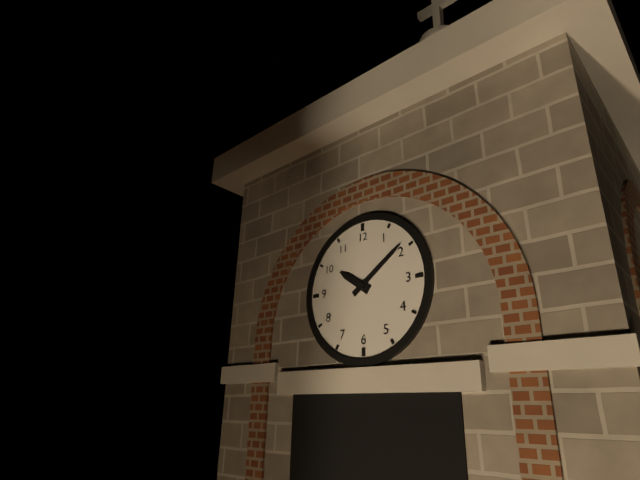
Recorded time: 10h09
